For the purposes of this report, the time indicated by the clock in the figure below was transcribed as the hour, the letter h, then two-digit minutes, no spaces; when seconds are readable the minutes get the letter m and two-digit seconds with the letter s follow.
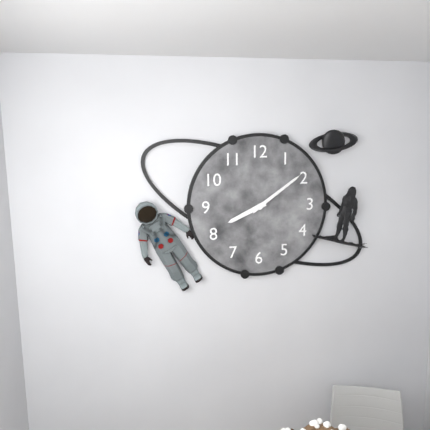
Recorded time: 8h09
